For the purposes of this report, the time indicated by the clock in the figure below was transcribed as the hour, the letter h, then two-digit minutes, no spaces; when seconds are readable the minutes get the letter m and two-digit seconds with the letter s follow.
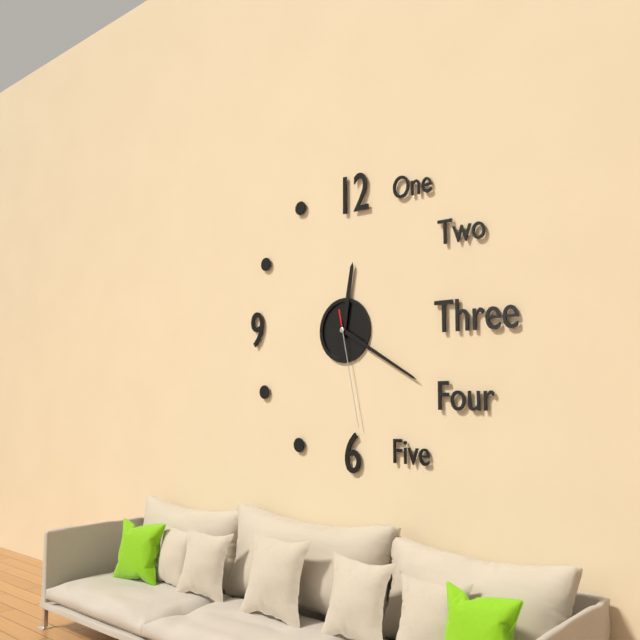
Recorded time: 12h20m28s
